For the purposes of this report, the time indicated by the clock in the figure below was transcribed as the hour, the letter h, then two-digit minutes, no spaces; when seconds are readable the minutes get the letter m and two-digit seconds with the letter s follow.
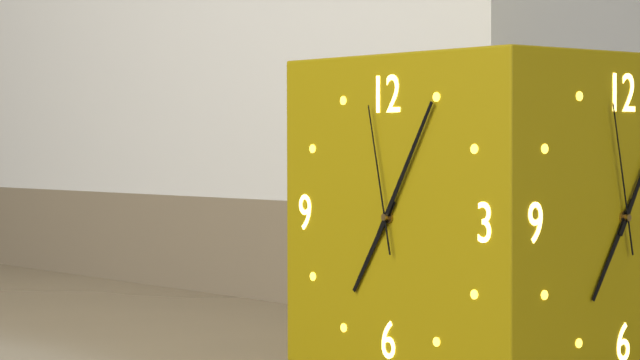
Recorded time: 7h05m58s
